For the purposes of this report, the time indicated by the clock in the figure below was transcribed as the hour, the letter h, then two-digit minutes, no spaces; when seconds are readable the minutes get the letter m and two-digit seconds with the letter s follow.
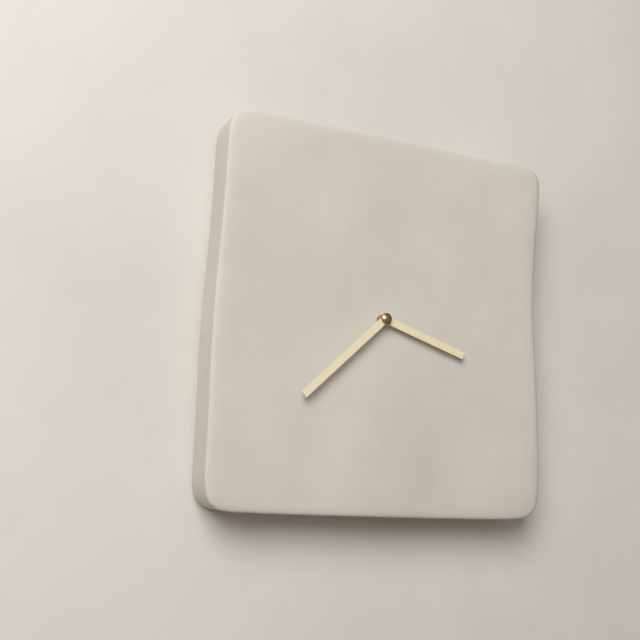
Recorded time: 3h38
